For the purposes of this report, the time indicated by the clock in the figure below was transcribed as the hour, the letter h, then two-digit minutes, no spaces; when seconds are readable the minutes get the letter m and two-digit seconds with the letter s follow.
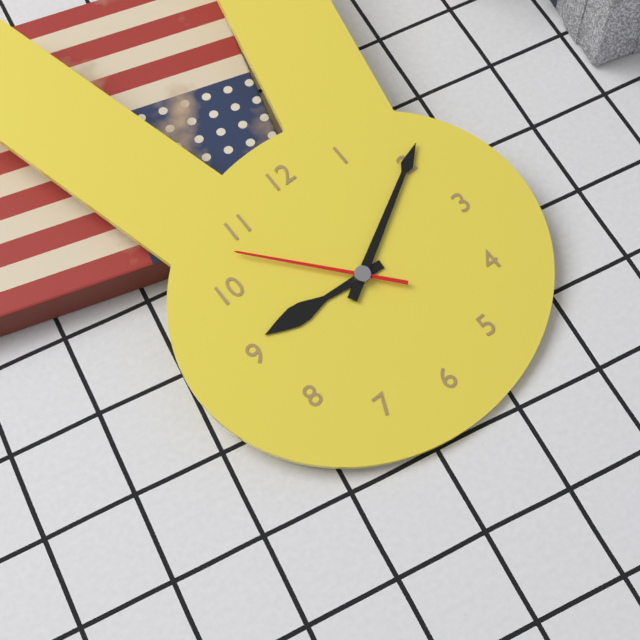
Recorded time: 9h10m53s
